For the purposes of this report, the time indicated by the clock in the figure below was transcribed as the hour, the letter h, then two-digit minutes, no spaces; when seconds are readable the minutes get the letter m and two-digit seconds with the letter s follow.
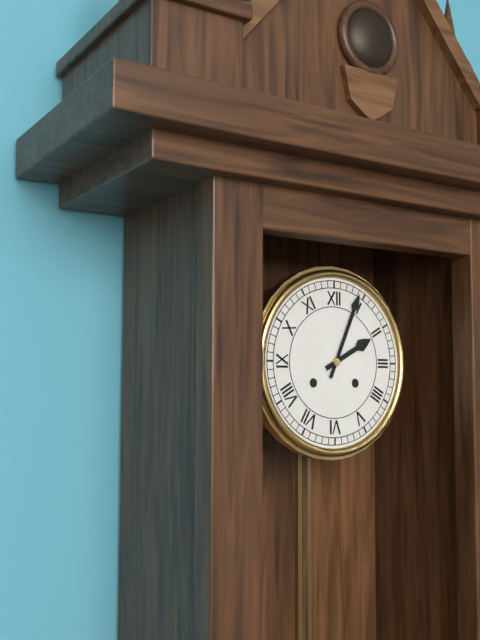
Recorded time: 2h04
